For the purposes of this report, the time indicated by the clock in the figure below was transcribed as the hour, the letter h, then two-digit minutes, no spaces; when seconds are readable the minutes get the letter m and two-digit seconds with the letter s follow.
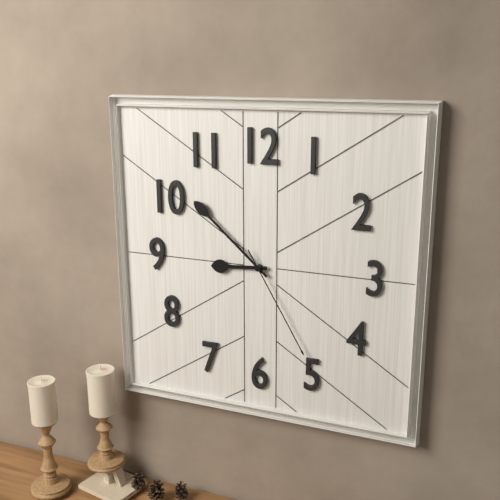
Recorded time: 8h52m25s
